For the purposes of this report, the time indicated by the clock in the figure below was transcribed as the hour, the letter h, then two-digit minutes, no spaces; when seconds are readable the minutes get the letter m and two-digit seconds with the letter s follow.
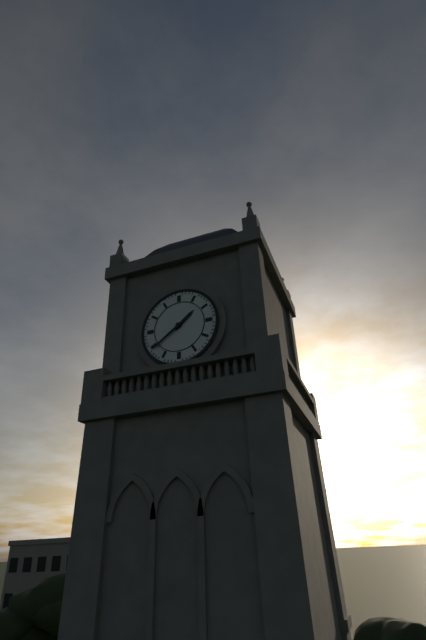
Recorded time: 1h39
